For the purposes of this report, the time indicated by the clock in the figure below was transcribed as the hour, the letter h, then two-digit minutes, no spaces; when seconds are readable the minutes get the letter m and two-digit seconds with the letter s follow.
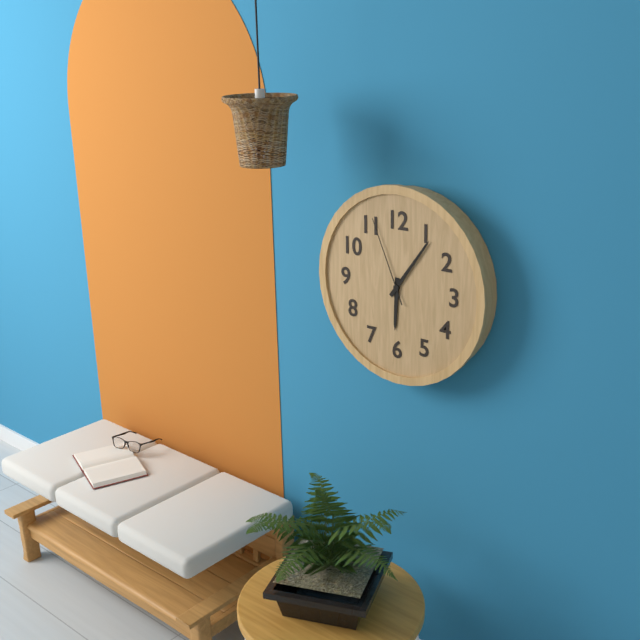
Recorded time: 6h06m56s
